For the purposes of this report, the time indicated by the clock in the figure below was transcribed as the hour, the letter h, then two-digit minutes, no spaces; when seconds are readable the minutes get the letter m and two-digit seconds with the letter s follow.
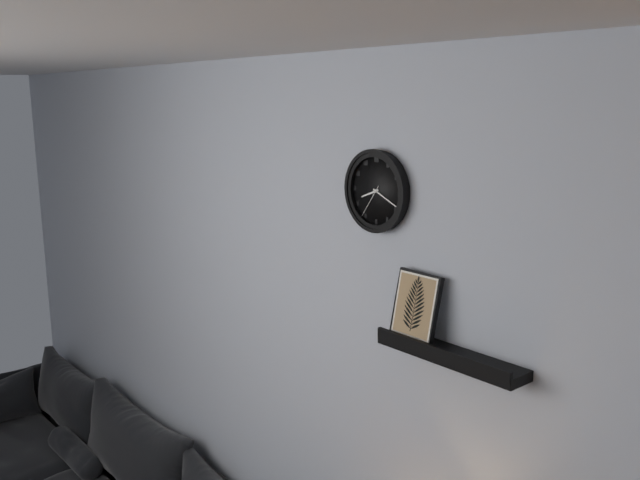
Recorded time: 8h19
